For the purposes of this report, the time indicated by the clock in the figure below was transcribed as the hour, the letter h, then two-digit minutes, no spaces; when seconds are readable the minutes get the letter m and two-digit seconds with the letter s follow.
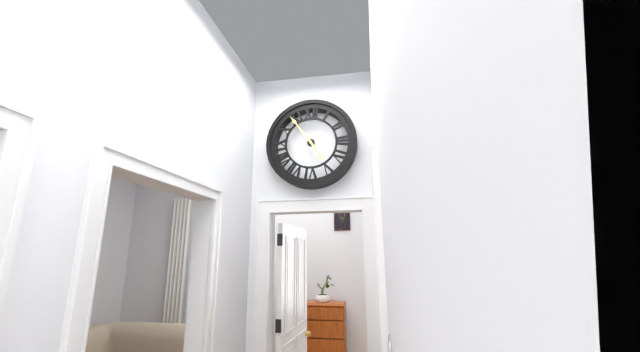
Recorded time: 4h54
